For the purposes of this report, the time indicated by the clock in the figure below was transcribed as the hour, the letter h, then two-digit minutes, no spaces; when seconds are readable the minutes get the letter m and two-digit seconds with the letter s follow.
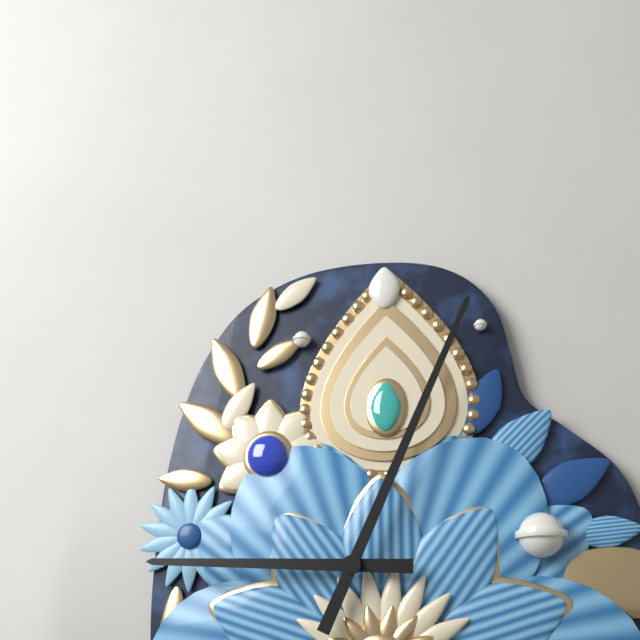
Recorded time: 9h04
